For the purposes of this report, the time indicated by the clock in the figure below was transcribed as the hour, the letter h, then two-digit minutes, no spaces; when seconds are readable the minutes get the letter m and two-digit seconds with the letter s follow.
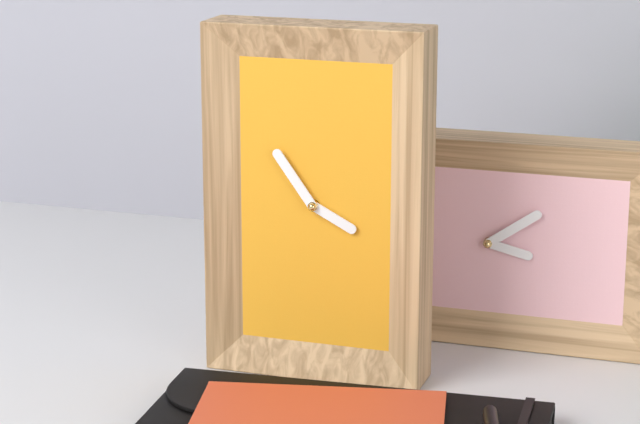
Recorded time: 3h54
